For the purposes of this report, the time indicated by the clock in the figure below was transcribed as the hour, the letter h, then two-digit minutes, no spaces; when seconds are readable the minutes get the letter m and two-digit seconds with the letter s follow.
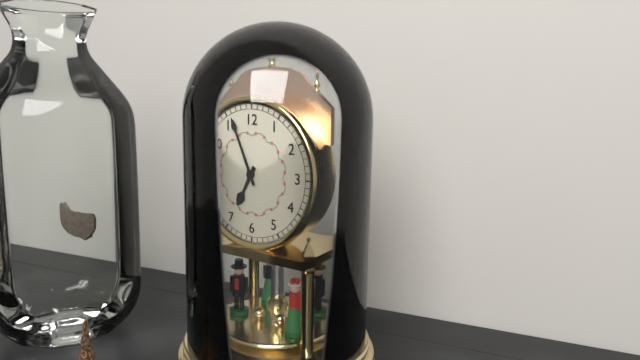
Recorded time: 6h56
